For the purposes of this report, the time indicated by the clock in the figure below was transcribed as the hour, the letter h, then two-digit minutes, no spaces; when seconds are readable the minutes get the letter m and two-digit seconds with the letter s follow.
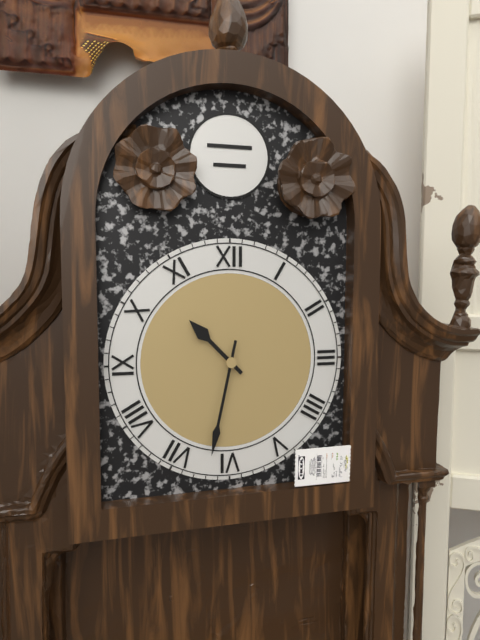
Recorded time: 10h32
